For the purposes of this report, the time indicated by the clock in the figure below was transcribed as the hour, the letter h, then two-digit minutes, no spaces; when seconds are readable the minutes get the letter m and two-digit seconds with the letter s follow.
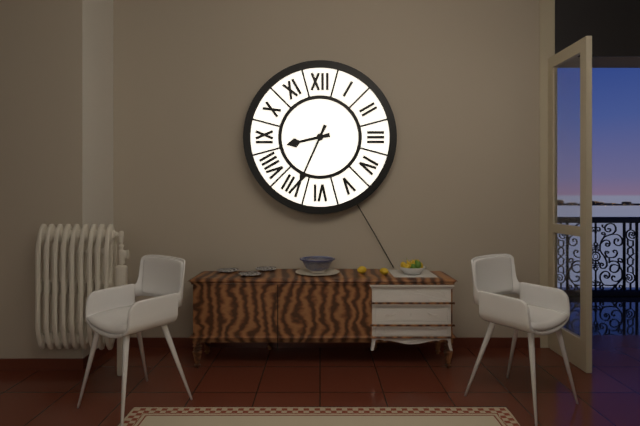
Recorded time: 8h34
